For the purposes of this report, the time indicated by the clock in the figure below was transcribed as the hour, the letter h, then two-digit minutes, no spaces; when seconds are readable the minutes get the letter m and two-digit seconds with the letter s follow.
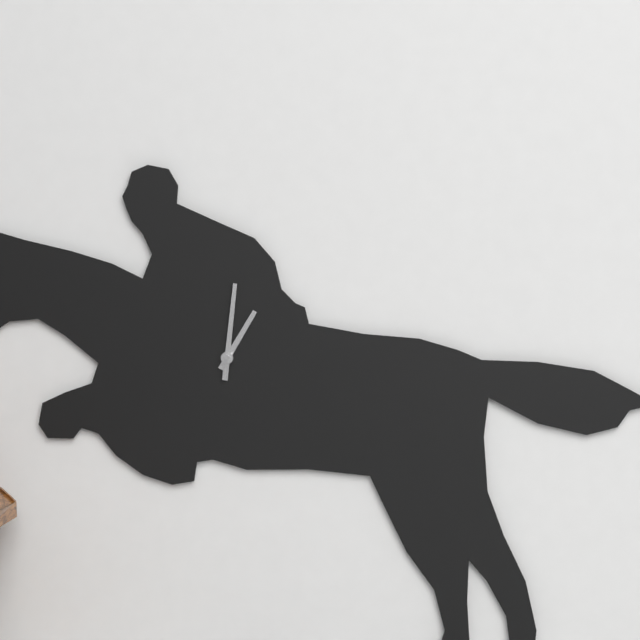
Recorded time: 1h01
